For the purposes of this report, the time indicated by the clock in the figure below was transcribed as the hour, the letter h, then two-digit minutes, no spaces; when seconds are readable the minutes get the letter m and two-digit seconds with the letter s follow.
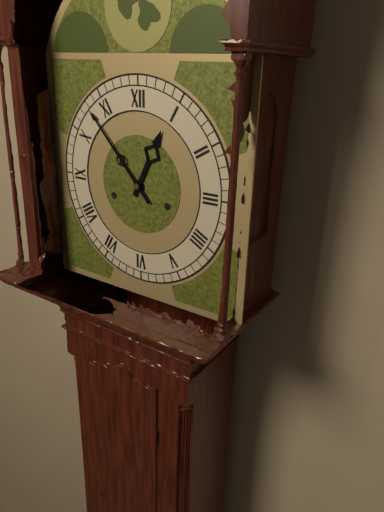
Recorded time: 12h53
